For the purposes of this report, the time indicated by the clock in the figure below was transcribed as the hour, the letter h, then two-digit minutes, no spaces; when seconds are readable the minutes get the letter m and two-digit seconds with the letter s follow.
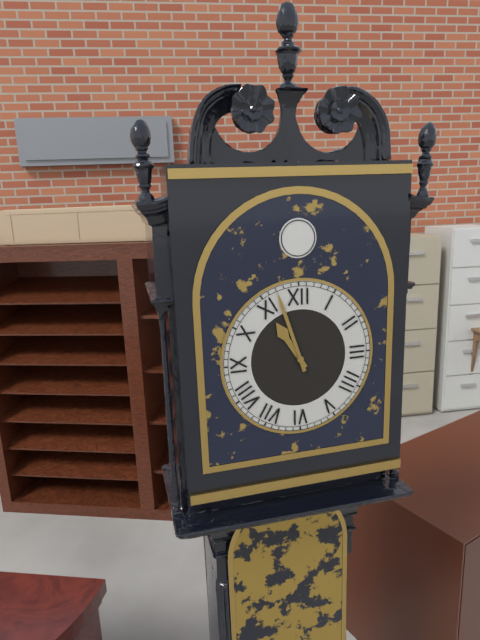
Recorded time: 10h57
